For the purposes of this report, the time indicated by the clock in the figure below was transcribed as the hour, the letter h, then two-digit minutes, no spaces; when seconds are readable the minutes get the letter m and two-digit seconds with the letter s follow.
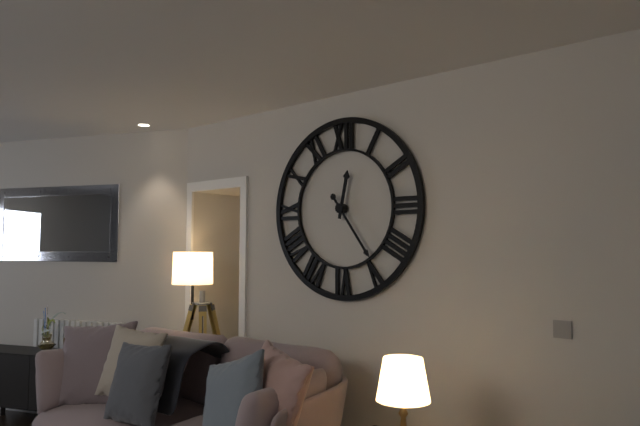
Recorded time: 12h24
